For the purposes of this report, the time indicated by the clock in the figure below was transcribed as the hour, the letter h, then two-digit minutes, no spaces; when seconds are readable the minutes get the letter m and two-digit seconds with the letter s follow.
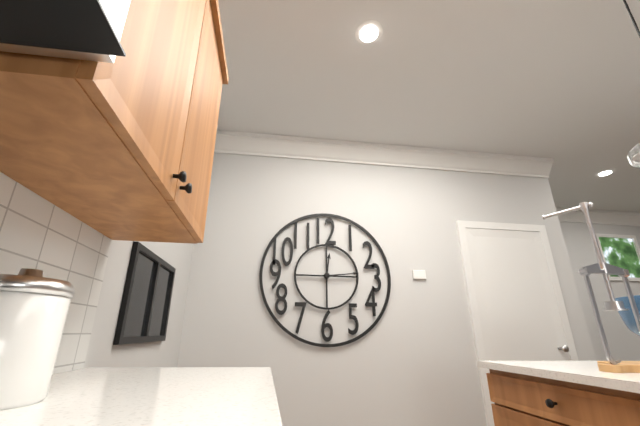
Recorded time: 12h14
